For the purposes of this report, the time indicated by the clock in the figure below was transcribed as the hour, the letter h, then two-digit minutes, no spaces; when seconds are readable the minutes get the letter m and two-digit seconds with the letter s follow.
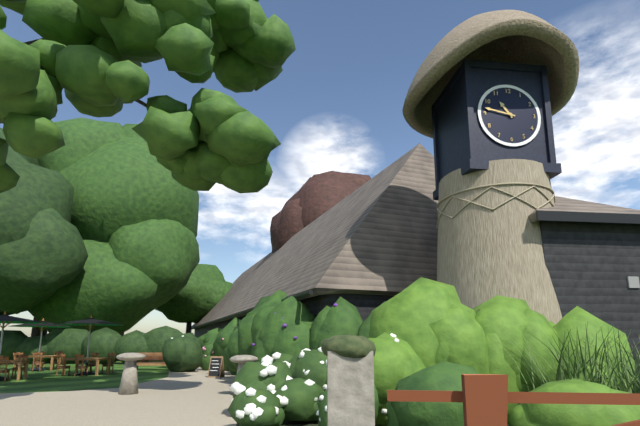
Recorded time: 10h47
